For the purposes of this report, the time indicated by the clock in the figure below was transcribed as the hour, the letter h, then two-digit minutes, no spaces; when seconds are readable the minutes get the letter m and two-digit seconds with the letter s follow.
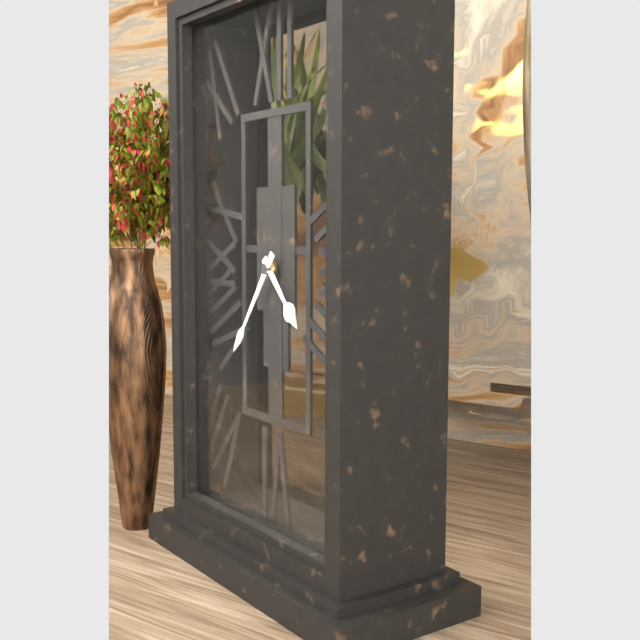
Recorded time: 4h36
